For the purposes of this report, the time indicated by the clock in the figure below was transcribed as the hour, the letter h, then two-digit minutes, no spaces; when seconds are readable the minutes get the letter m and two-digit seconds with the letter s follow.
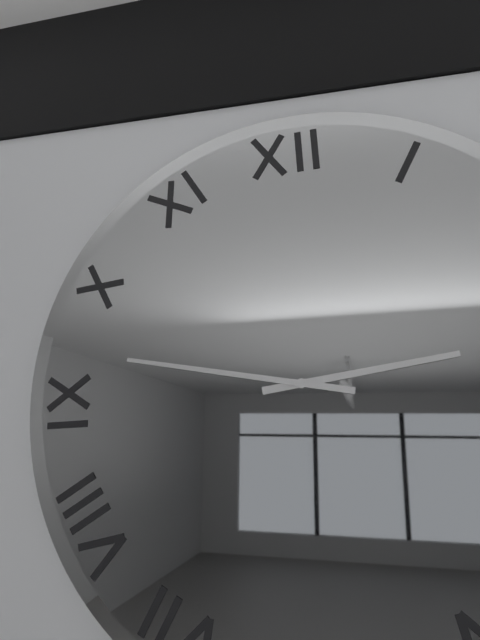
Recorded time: 2h47
